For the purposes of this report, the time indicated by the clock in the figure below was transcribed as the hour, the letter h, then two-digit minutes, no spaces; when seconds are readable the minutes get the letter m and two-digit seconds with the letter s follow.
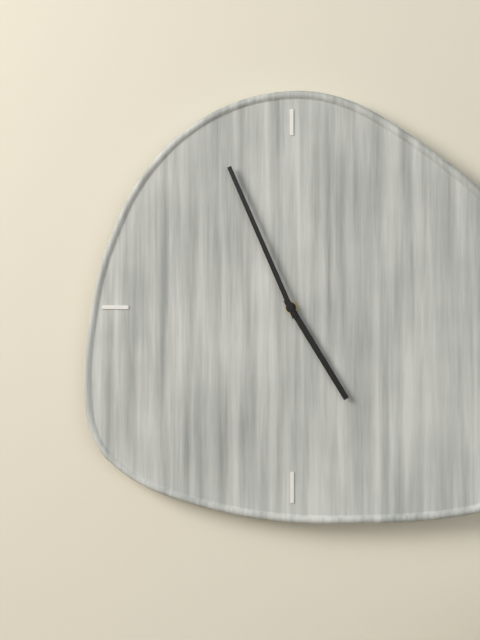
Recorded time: 4h56
